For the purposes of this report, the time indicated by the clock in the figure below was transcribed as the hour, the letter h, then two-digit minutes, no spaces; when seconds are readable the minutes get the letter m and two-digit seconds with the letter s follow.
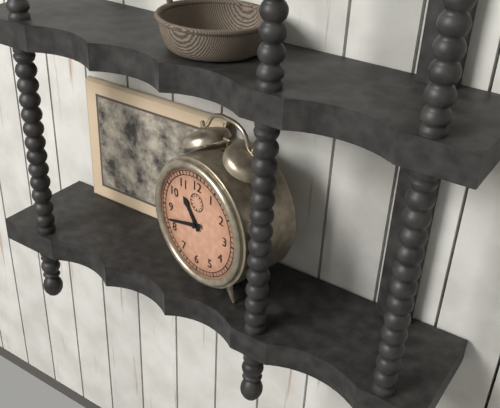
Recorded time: 10h42
